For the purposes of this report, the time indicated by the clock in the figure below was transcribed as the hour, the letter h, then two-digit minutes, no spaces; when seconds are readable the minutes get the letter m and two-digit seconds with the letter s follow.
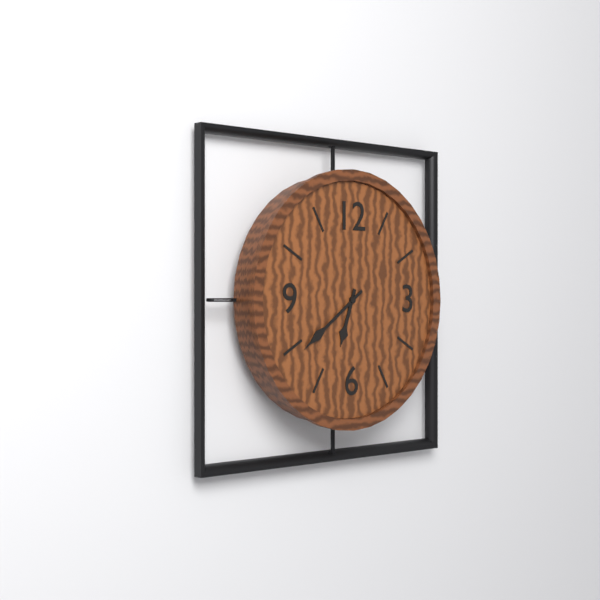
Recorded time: 6h39
